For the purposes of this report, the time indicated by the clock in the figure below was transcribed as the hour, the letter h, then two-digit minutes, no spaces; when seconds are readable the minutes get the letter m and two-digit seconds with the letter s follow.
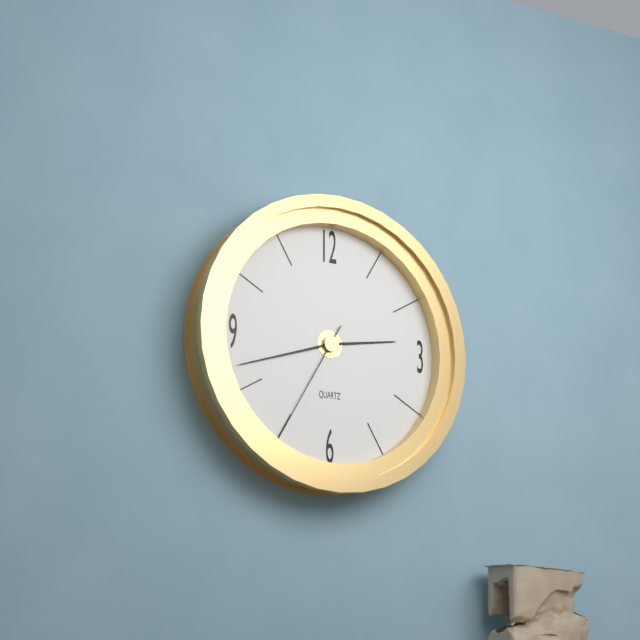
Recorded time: 2h42m35s
